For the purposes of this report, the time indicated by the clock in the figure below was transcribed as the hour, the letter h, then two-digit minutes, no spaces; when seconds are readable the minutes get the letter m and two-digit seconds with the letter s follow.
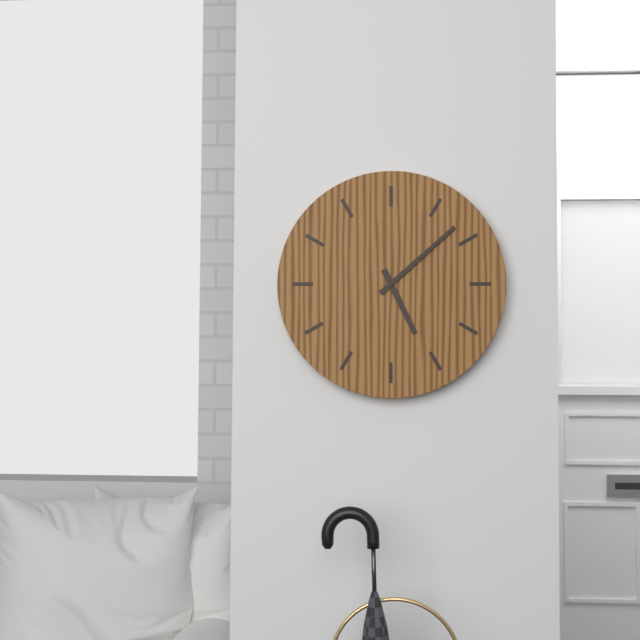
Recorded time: 5h08
